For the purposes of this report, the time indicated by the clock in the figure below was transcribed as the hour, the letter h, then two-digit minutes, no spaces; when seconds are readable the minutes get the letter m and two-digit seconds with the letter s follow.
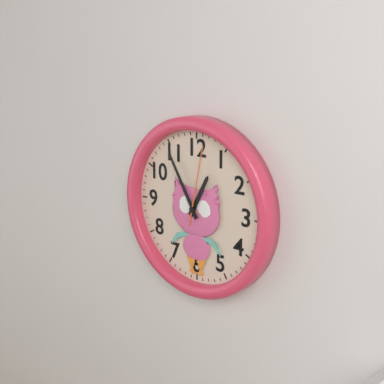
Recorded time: 12h55m02s
